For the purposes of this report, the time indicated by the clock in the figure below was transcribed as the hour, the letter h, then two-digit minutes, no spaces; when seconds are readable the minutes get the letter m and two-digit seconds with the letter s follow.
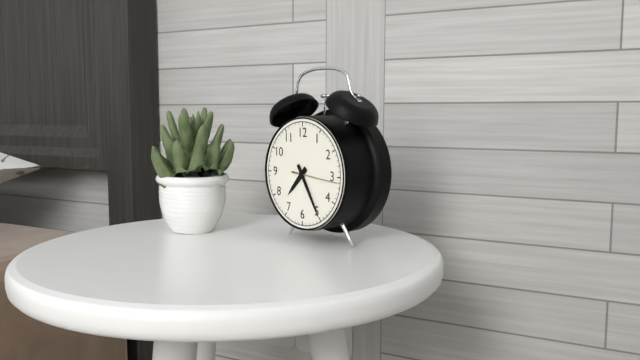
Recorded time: 7h25
